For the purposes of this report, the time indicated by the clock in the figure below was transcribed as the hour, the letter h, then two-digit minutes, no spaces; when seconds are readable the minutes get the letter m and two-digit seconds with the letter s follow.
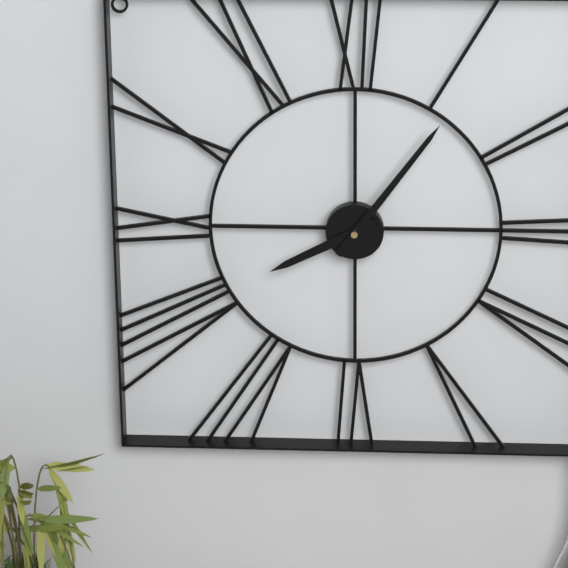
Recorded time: 8h06
